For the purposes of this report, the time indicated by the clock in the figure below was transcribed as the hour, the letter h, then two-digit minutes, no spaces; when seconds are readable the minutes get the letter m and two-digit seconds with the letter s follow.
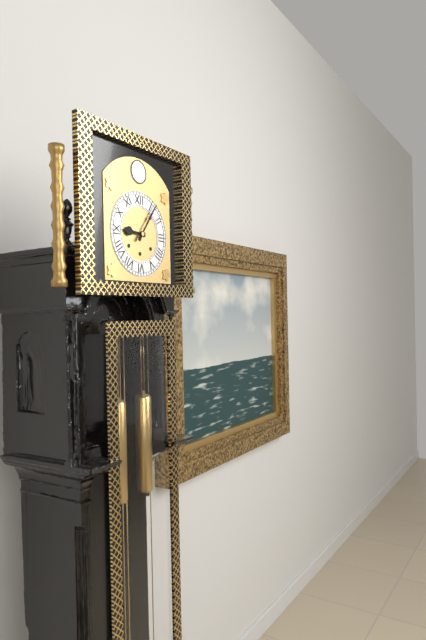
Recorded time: 9h06
